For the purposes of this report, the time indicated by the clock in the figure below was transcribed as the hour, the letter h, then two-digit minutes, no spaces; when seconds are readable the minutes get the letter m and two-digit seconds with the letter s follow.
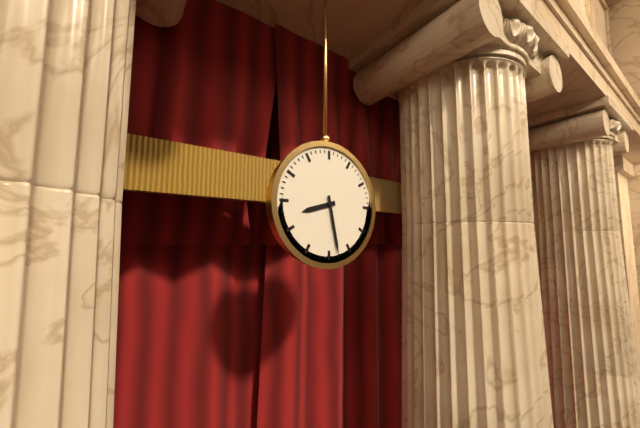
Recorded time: 8h28
